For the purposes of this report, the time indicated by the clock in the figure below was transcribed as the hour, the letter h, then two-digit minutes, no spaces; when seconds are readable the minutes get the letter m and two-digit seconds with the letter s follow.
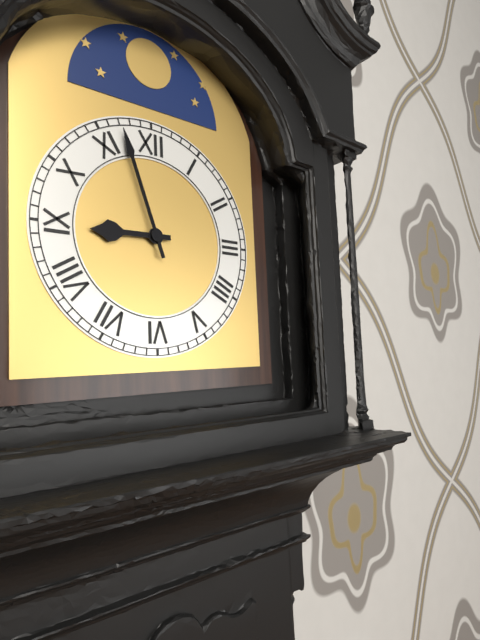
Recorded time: 8h57
